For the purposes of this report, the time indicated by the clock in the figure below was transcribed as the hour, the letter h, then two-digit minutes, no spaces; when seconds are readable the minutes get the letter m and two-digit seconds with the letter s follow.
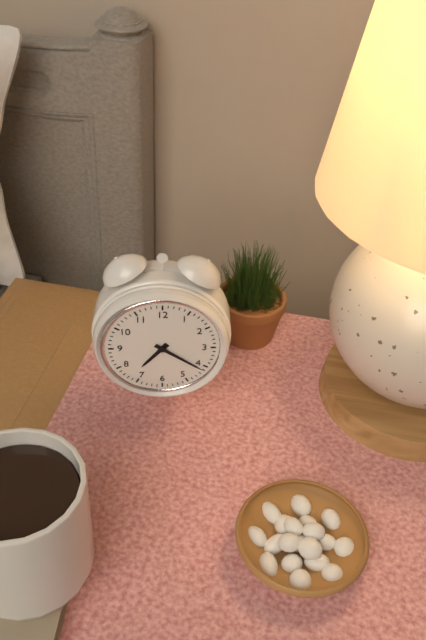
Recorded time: 7h21
